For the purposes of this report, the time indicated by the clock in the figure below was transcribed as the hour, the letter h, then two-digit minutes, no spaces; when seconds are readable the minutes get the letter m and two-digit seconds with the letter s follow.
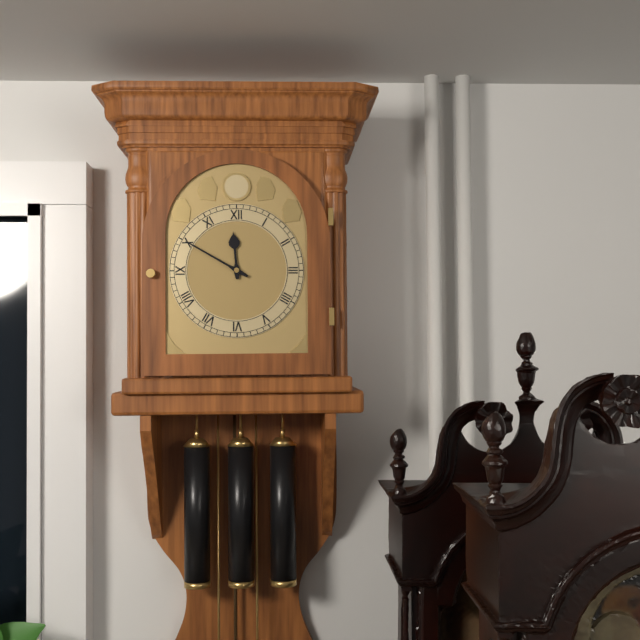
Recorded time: 11h50
